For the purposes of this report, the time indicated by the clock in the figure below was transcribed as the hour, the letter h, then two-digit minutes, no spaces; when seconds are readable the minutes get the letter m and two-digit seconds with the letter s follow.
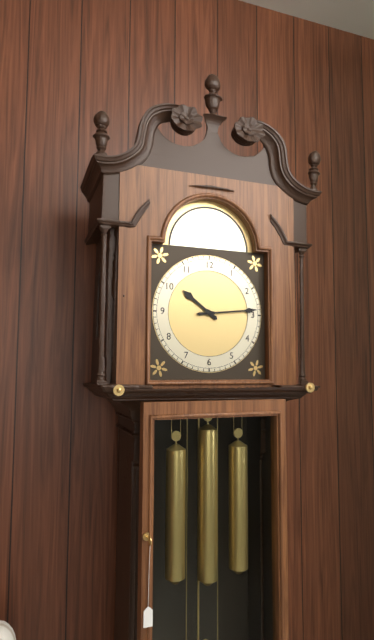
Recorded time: 10h14
